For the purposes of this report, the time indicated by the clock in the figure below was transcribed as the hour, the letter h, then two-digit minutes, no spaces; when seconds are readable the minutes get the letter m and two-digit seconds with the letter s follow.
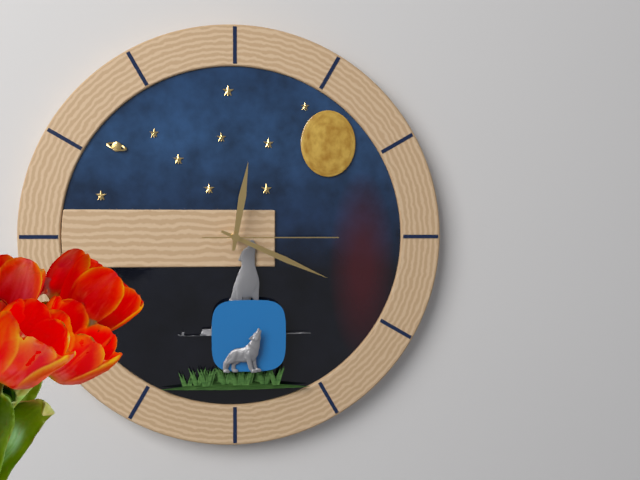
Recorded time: 12h19m15s
